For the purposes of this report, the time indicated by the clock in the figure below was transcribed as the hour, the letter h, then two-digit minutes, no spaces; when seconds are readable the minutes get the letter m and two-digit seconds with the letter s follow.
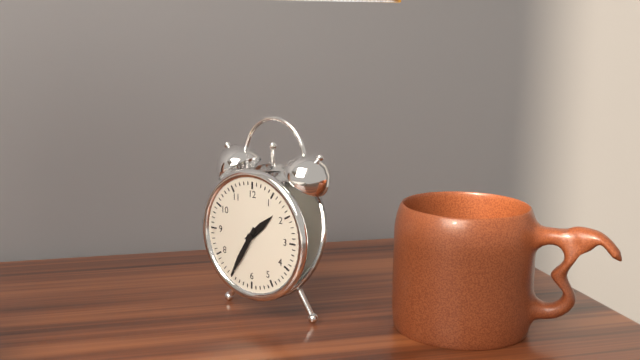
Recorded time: 1h35
